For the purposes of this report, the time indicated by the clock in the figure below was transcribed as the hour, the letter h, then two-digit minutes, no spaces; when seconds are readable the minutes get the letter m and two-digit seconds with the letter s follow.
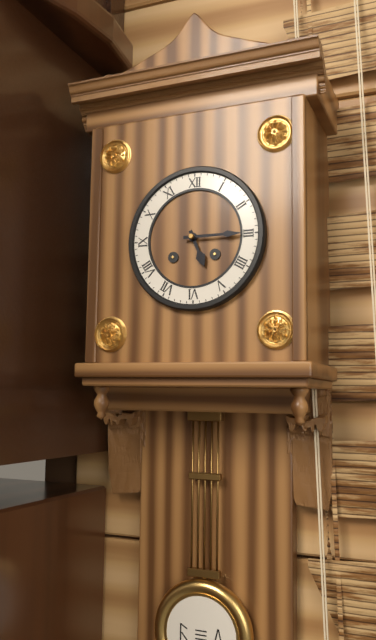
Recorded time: 5h15
